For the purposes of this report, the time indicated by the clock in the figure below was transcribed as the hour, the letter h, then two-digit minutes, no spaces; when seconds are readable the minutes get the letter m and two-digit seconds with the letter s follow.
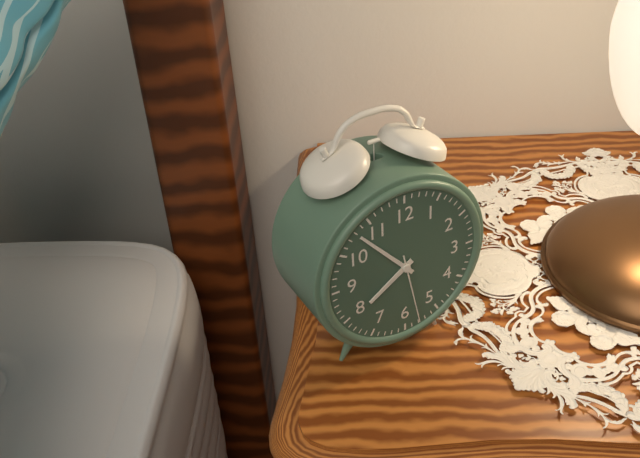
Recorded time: 7h53m28s
